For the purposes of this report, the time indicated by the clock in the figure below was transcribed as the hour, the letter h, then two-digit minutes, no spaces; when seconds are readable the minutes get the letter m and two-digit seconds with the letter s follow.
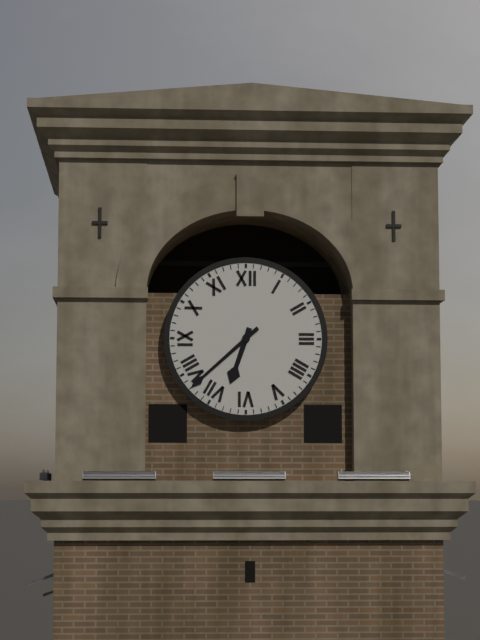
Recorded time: 6h38
